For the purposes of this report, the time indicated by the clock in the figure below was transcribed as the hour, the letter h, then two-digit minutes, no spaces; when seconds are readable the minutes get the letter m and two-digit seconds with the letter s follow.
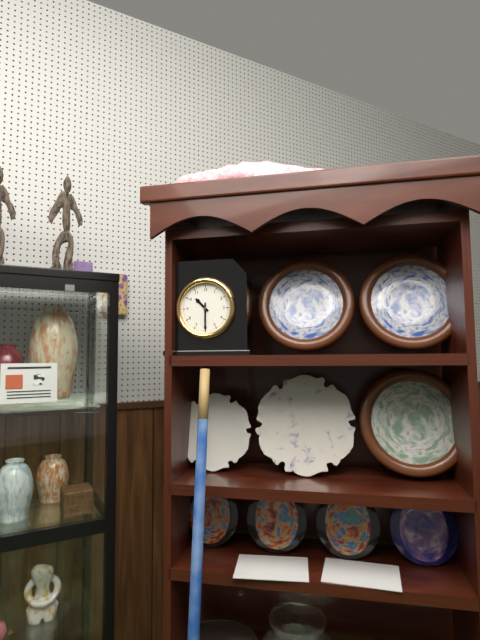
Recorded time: 10h30
